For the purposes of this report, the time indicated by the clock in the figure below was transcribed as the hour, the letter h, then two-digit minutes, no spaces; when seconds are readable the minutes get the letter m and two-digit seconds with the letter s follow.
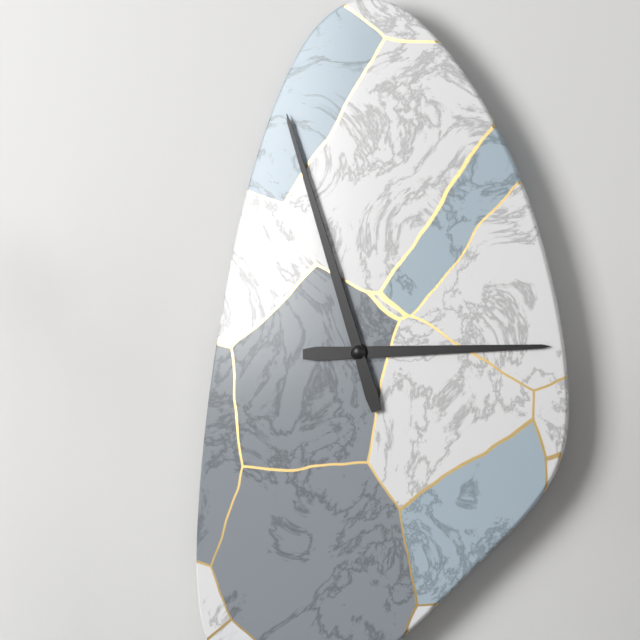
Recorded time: 2h57
